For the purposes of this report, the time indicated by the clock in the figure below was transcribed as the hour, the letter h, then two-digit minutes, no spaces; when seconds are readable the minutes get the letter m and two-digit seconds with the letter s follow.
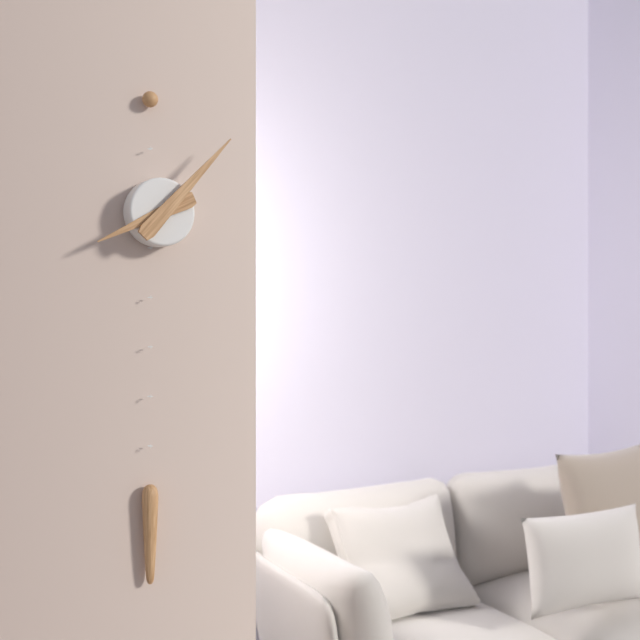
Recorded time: 8h07
